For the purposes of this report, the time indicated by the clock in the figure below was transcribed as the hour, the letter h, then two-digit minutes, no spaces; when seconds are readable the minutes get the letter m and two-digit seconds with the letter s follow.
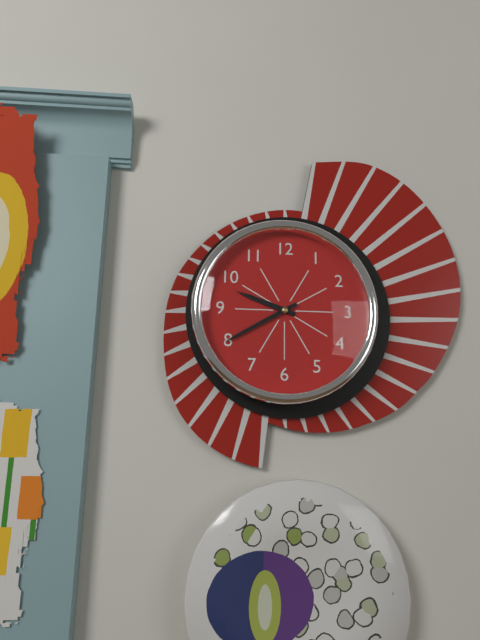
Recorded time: 9h40
